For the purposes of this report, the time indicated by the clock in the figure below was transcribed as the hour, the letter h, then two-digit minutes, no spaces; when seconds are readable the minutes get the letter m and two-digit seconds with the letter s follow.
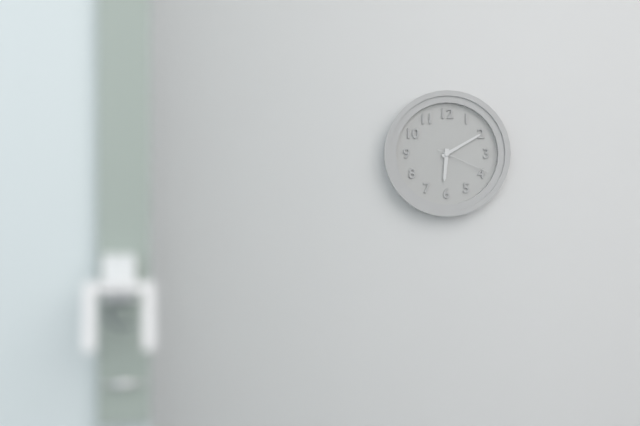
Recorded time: 6h10m19s
